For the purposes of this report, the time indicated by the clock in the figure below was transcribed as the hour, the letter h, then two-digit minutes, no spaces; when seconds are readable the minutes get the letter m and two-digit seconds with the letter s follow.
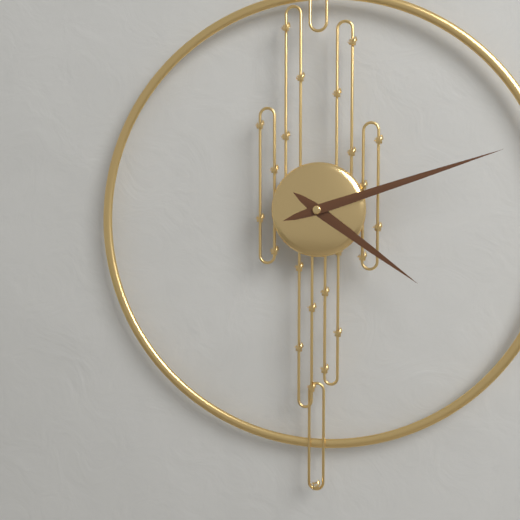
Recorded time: 4h12
